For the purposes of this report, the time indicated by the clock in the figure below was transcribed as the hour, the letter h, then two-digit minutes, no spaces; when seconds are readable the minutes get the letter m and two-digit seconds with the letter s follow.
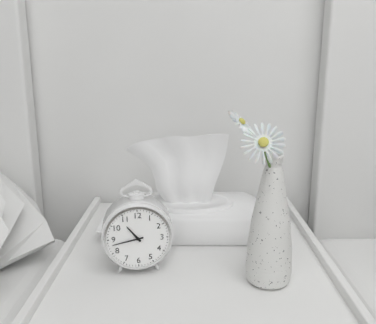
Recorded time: 10h43
